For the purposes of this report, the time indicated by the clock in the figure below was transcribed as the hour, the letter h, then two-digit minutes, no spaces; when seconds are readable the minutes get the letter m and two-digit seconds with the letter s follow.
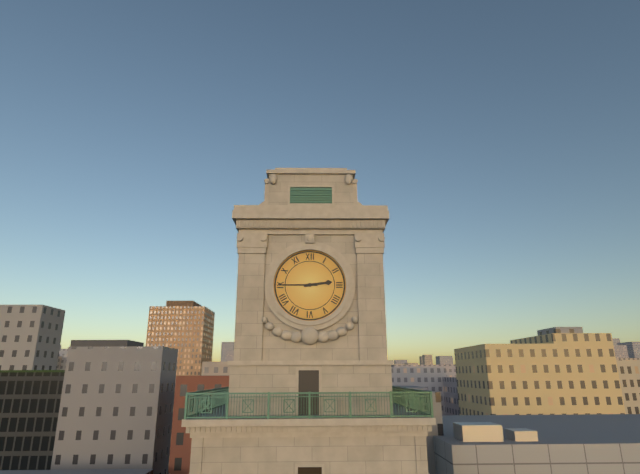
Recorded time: 2h45
